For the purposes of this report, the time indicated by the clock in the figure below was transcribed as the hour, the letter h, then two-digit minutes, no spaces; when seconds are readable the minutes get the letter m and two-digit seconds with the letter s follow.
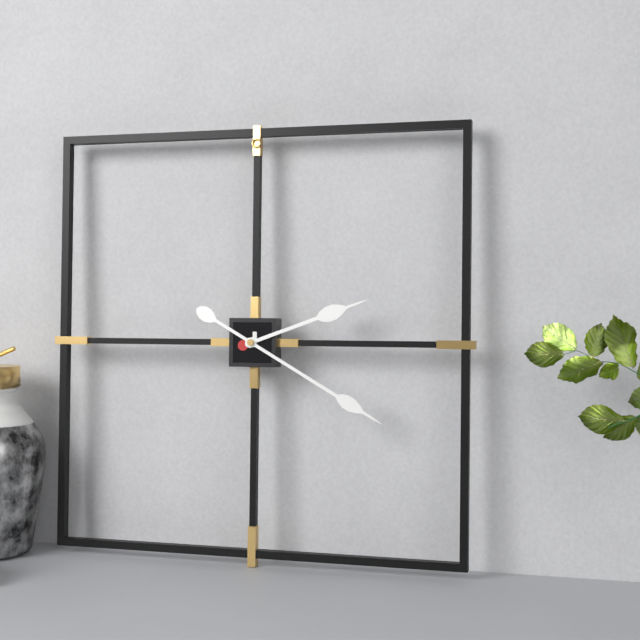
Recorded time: 2h20
